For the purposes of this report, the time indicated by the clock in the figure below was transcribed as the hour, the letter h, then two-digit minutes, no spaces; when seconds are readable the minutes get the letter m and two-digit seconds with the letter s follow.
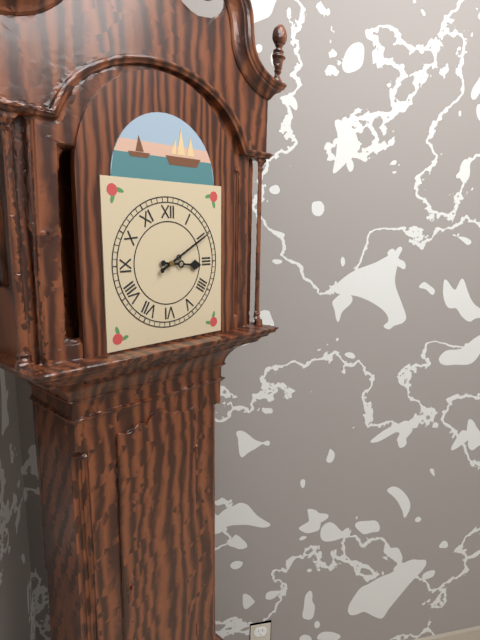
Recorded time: 3h10
